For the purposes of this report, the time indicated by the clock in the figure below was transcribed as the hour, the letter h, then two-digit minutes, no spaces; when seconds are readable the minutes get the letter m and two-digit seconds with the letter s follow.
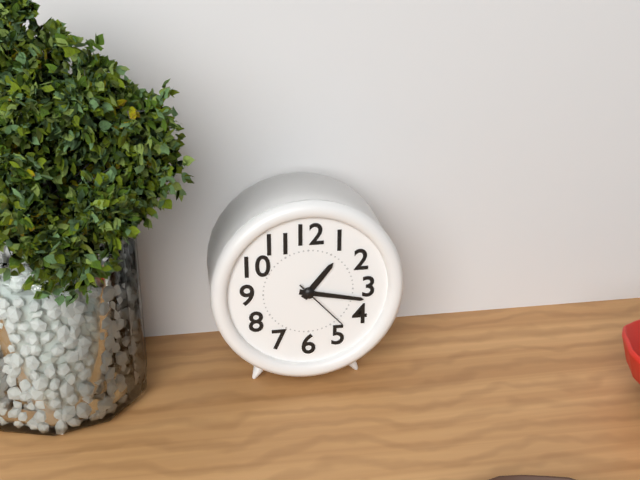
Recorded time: 1h17m23s
